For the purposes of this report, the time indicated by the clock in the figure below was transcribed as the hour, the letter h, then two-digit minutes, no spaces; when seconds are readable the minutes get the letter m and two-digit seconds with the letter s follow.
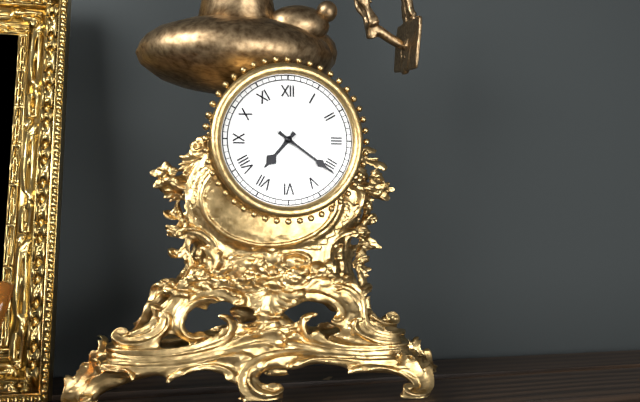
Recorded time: 7h21
